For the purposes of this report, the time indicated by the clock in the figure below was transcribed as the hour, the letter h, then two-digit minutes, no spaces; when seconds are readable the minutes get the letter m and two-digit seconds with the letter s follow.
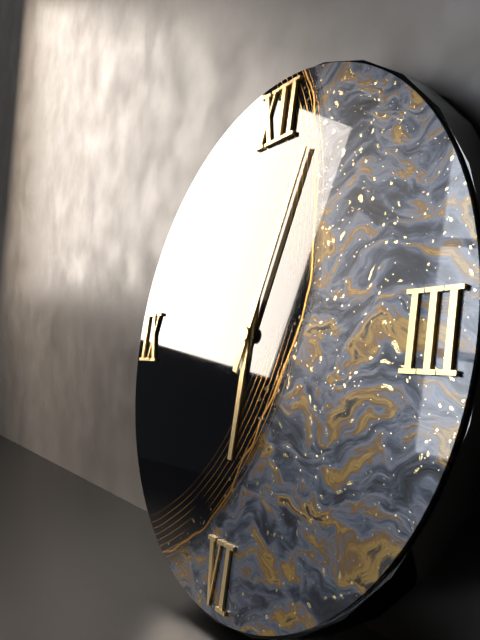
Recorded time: 6h03
